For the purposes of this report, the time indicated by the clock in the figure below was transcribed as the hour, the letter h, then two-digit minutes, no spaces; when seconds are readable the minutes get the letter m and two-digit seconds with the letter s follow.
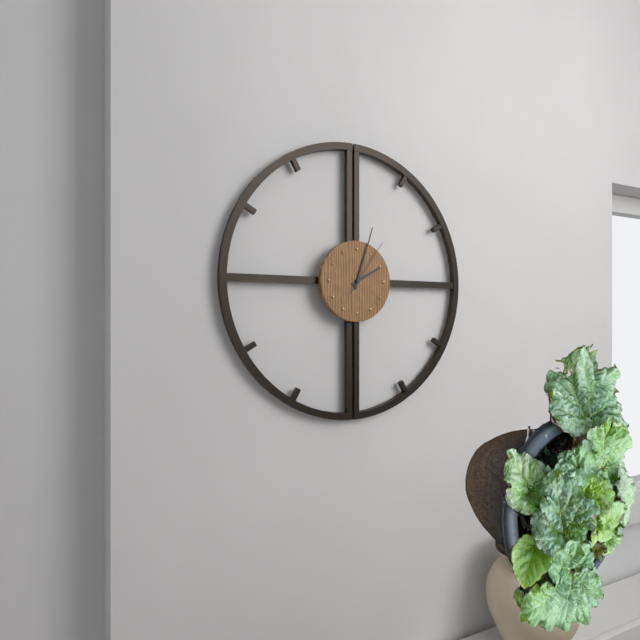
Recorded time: 2h03m06s
